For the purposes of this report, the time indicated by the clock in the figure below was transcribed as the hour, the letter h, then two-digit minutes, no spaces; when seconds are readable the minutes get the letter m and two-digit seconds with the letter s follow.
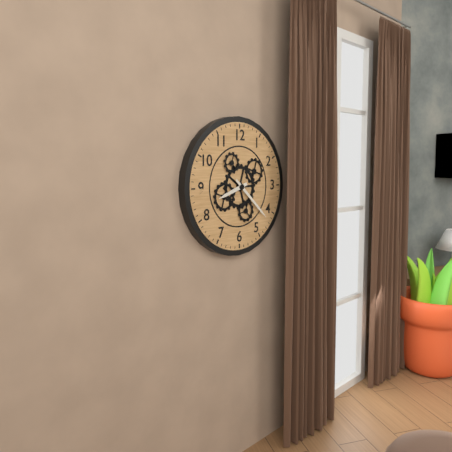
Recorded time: 8h22
